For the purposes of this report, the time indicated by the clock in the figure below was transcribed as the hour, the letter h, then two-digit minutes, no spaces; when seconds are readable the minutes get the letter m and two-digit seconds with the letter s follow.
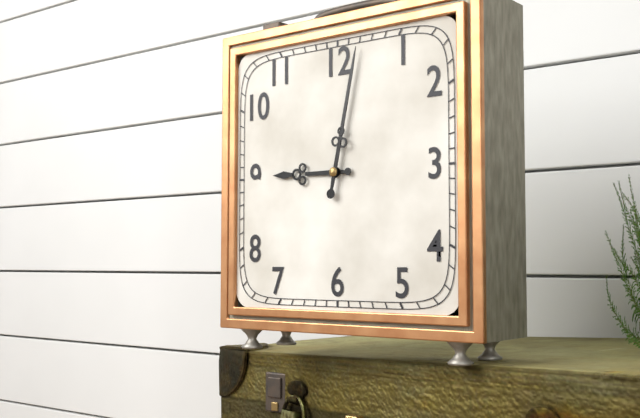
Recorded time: 9h02
